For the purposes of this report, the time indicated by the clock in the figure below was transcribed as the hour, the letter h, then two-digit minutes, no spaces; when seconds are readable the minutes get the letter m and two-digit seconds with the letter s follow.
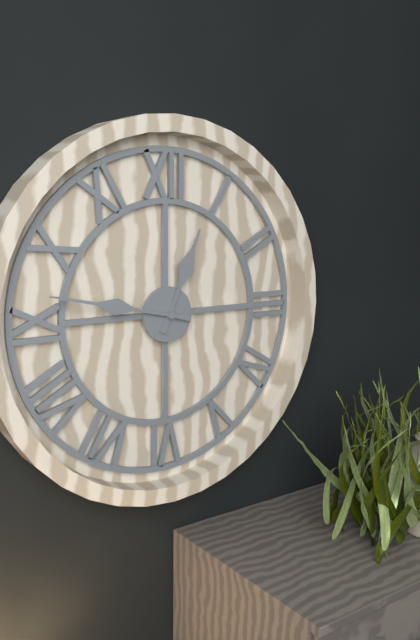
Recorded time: 12h47
